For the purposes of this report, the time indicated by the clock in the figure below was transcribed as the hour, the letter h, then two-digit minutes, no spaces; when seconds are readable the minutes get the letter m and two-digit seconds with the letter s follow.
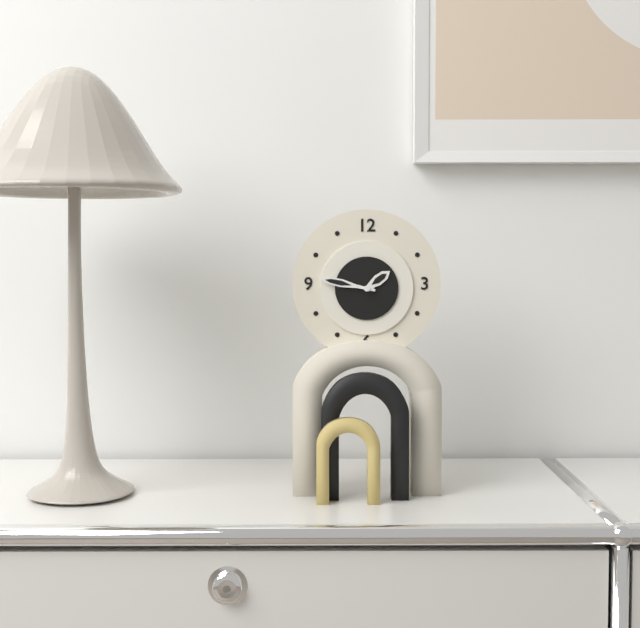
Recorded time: 1h47
